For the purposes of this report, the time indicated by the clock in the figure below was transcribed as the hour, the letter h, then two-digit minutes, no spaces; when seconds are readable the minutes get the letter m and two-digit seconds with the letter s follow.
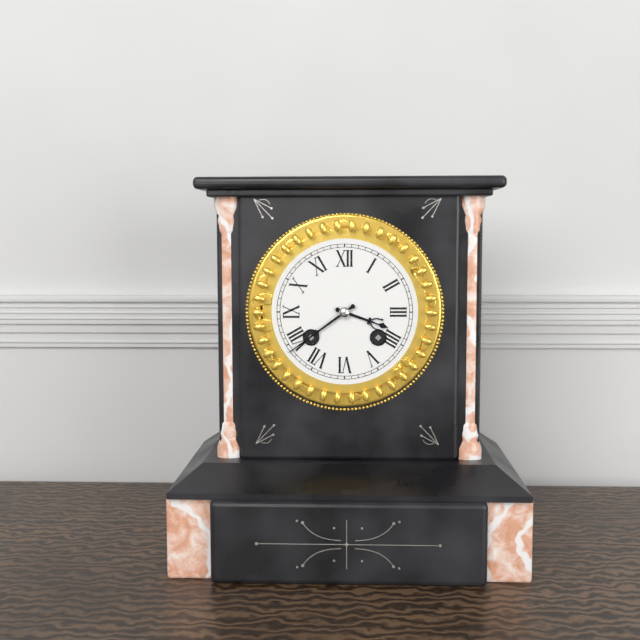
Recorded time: 3h39
